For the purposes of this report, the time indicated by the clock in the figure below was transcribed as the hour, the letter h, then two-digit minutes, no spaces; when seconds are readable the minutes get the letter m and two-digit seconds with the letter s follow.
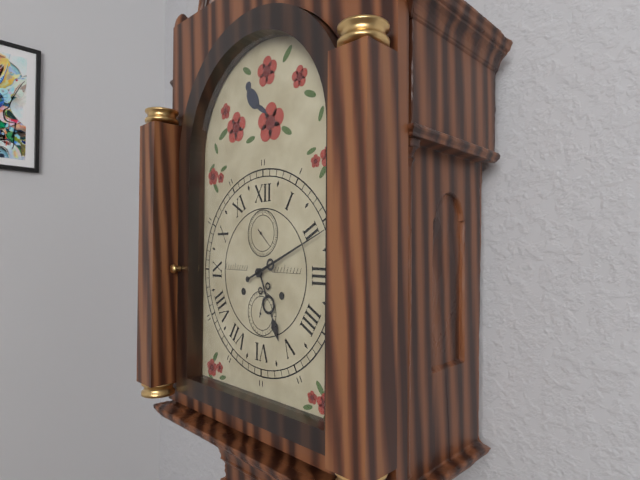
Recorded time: 5h11
